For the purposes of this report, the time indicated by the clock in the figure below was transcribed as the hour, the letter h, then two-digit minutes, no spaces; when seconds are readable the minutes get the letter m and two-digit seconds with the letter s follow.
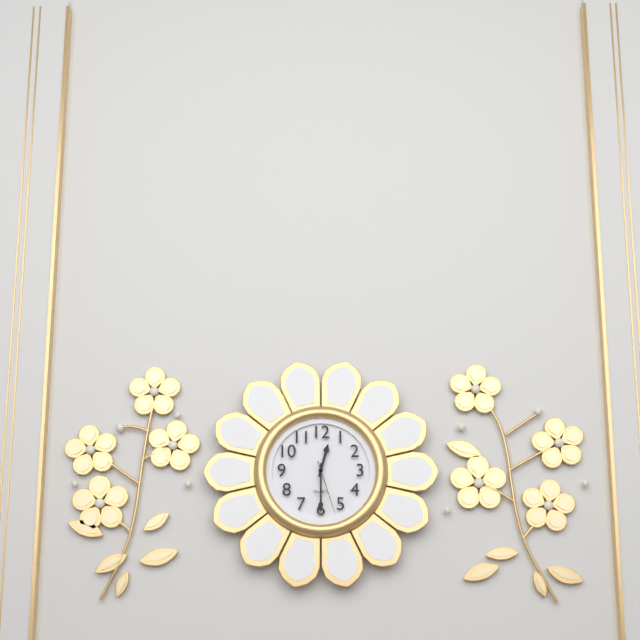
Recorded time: 12h30m27s
